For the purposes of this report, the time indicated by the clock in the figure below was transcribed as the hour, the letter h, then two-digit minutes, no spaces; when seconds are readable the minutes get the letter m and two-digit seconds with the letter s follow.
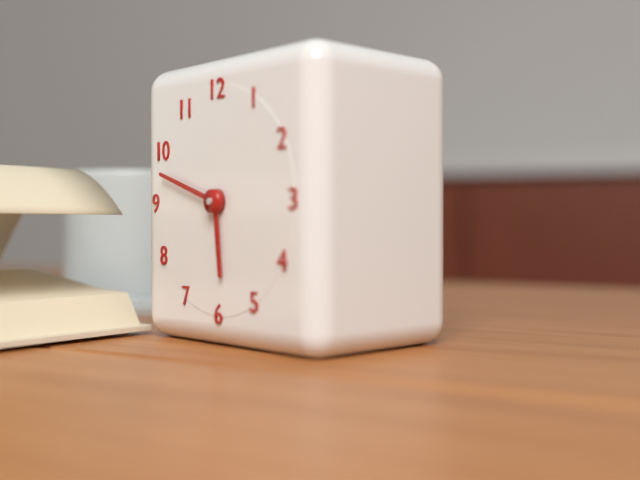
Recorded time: 5h48
